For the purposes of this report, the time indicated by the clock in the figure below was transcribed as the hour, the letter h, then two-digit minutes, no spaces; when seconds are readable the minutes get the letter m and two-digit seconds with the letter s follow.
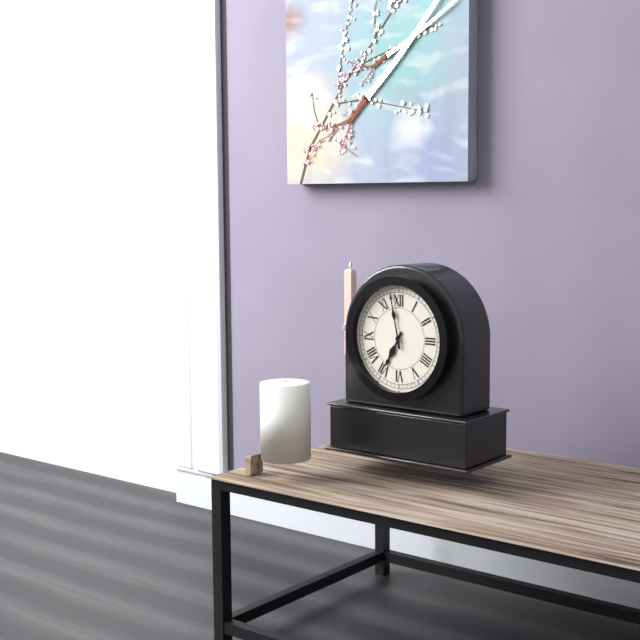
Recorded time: 6h58
